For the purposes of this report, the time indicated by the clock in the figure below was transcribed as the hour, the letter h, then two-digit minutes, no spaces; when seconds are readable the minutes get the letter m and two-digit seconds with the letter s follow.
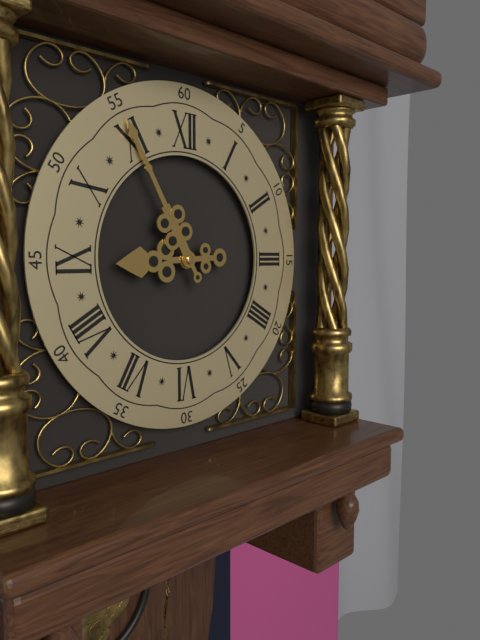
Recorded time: 8h55
